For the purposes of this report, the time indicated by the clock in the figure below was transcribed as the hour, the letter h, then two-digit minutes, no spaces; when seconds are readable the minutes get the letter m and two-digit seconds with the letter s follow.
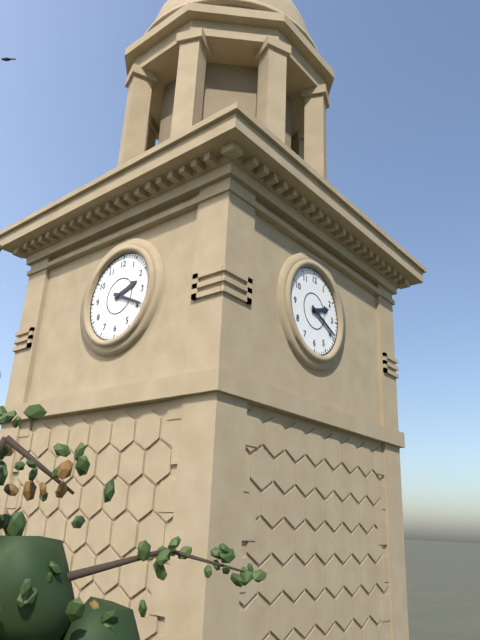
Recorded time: 2h19
